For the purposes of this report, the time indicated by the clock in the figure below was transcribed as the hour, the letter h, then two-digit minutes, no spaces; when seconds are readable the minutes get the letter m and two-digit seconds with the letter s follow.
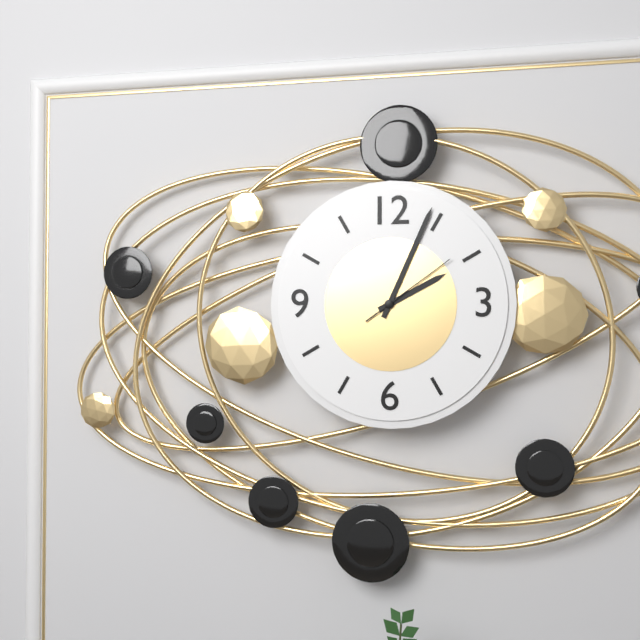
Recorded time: 2h04m09s
